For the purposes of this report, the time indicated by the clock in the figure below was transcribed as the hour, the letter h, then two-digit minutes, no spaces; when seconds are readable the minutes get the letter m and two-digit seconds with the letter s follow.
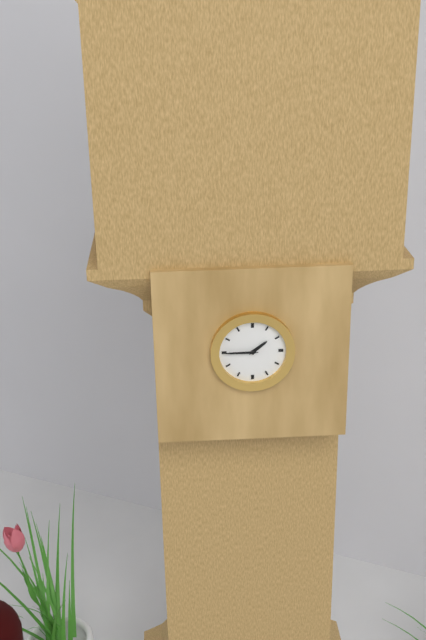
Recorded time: 1h45
